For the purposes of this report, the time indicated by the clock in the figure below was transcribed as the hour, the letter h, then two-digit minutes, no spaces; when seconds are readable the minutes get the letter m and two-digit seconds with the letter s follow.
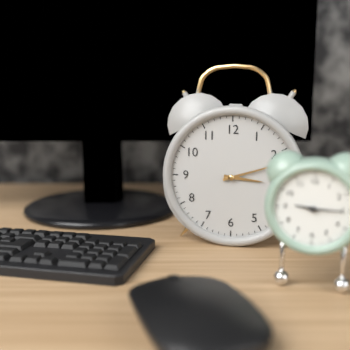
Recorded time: 3h12
